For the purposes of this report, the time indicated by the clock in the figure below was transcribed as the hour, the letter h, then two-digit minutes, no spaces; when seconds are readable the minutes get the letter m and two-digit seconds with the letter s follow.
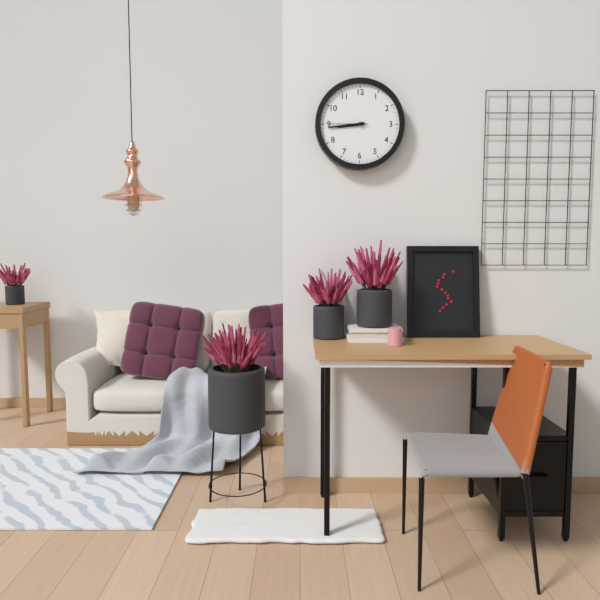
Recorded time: 8h44
